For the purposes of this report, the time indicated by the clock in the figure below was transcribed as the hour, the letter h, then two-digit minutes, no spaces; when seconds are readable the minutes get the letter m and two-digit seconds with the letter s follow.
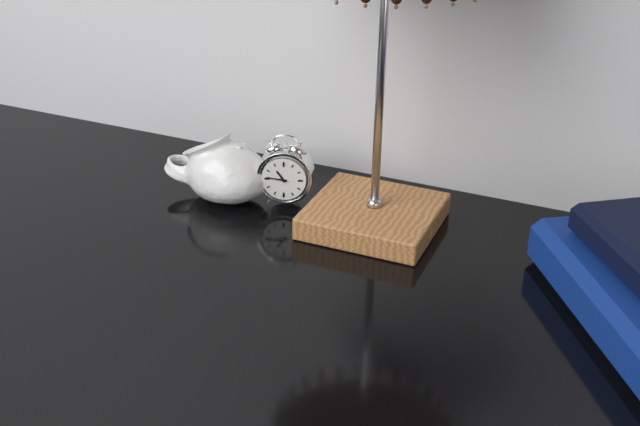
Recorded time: 10h46
